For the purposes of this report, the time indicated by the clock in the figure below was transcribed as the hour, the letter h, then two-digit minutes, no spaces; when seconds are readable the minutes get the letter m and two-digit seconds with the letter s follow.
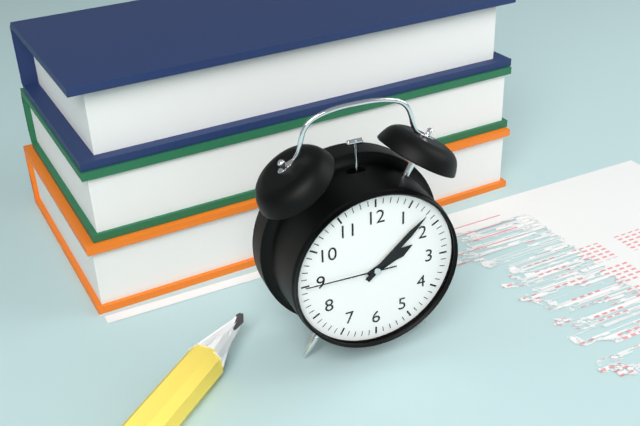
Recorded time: 2h08m45s
